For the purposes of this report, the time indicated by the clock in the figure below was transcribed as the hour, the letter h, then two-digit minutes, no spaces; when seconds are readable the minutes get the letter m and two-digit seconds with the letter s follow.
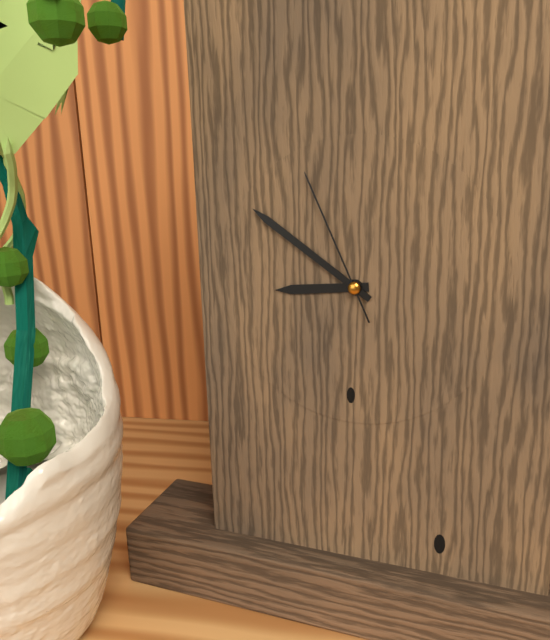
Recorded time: 8h51m56s
